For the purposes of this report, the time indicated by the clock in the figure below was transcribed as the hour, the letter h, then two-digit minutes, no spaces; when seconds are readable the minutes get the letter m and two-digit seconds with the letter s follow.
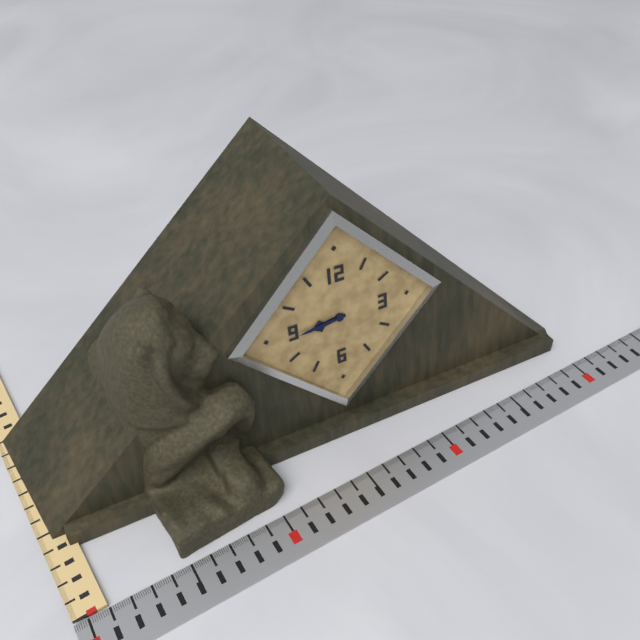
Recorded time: 8h44
